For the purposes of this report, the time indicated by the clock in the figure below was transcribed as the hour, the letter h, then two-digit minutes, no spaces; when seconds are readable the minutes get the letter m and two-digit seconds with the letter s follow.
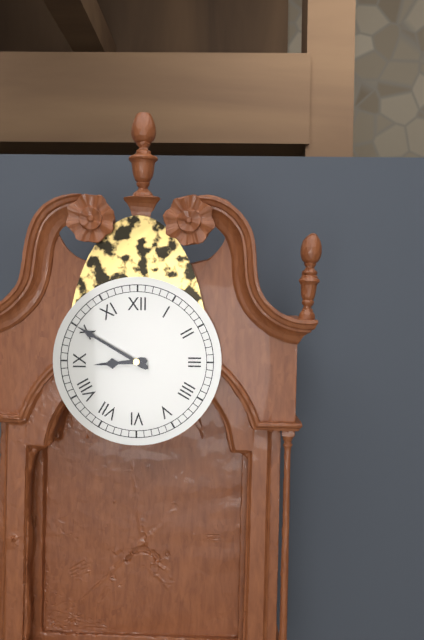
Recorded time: 8h50
